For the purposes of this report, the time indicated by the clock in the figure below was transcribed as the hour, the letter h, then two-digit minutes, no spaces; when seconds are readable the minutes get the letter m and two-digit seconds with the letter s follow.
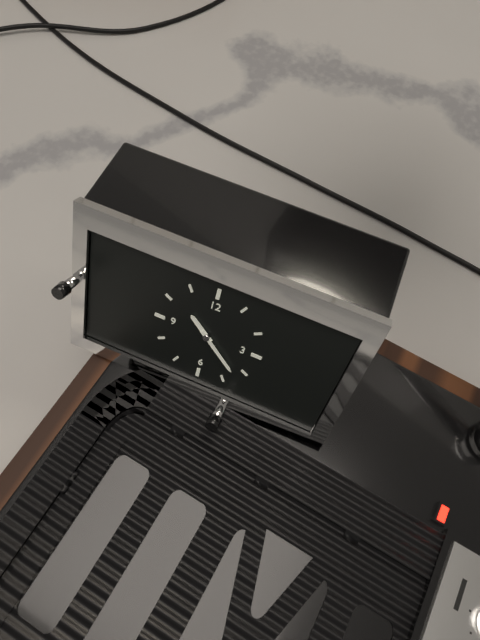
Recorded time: 10h22
